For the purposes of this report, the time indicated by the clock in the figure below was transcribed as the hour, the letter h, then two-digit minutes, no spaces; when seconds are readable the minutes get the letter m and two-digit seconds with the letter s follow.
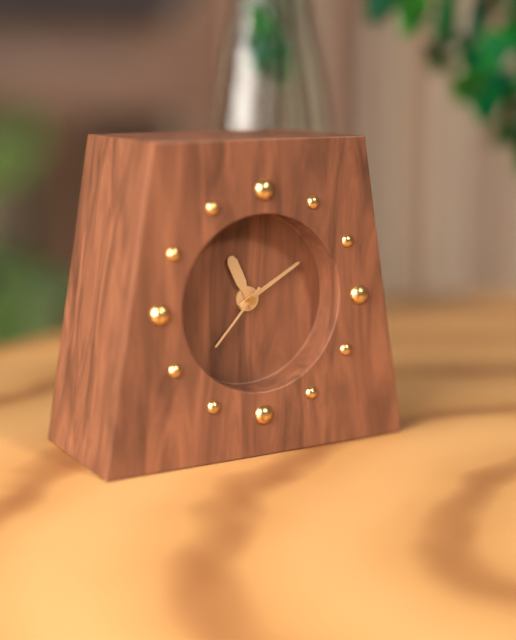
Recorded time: 11h10m37s
